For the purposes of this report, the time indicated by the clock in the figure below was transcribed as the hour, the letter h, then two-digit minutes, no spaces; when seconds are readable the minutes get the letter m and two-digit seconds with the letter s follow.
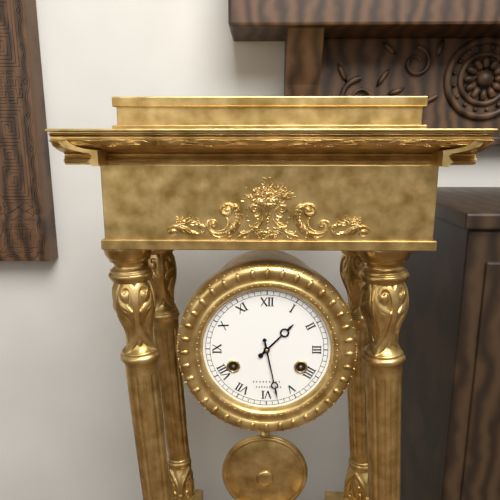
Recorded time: 1h28
